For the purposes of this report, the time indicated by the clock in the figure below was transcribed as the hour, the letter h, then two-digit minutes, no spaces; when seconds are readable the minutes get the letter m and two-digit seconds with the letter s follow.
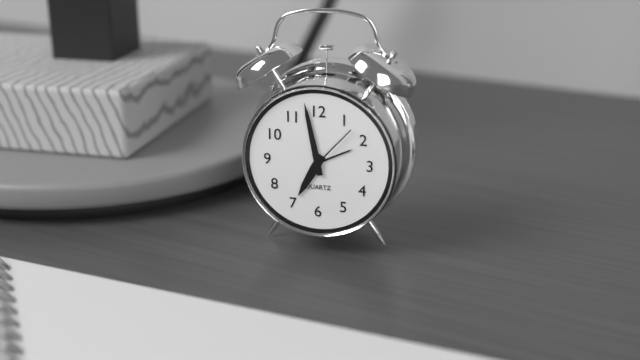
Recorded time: 6h58m07s
